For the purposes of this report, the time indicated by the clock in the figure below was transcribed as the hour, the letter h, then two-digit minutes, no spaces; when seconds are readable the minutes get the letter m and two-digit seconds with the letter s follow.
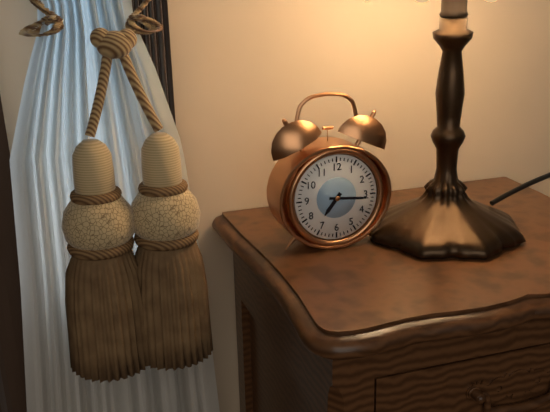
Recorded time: 7h16
